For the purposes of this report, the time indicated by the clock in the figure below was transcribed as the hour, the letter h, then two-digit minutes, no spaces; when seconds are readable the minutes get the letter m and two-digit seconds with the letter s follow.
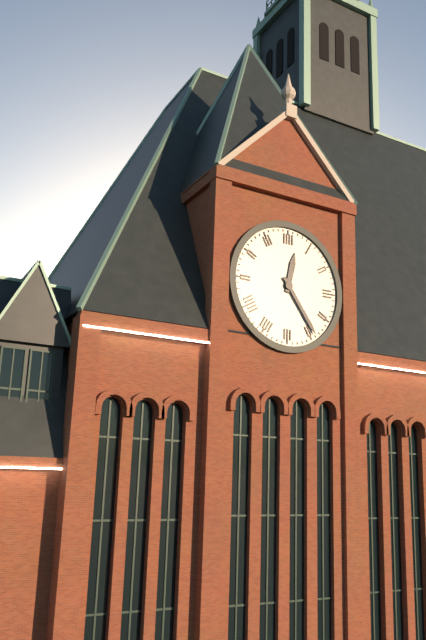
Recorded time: 12h24
